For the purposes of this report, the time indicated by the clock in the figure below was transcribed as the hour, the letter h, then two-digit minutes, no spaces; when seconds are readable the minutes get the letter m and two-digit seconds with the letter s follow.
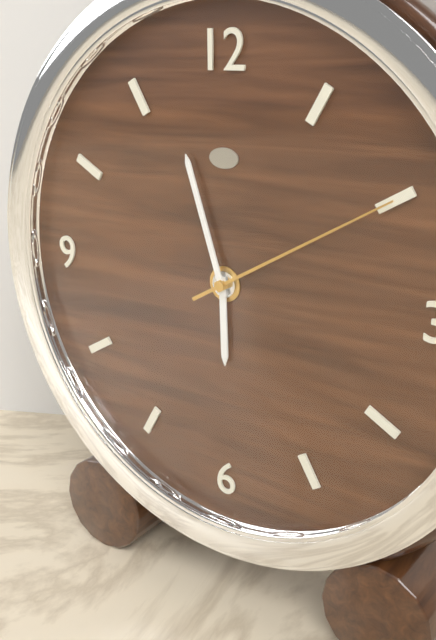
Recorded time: 5h57m10s
